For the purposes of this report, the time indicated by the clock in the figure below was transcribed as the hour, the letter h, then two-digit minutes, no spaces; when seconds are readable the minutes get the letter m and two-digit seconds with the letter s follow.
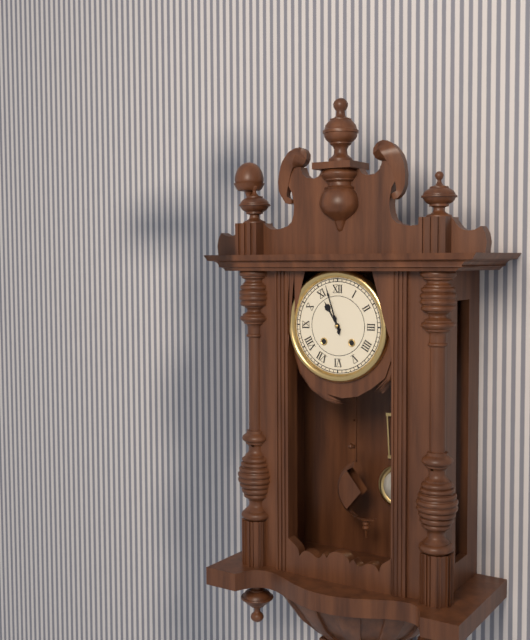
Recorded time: 10h57
